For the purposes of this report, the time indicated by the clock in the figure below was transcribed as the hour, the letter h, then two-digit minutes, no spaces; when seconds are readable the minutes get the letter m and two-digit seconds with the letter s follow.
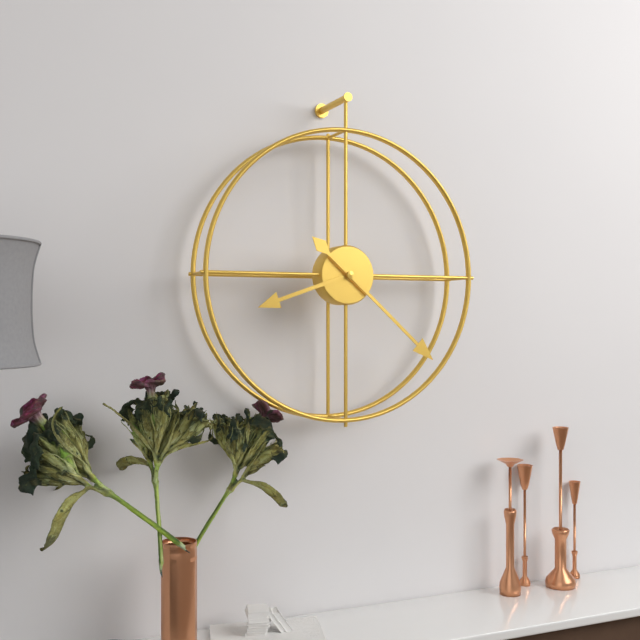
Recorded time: 8h22
